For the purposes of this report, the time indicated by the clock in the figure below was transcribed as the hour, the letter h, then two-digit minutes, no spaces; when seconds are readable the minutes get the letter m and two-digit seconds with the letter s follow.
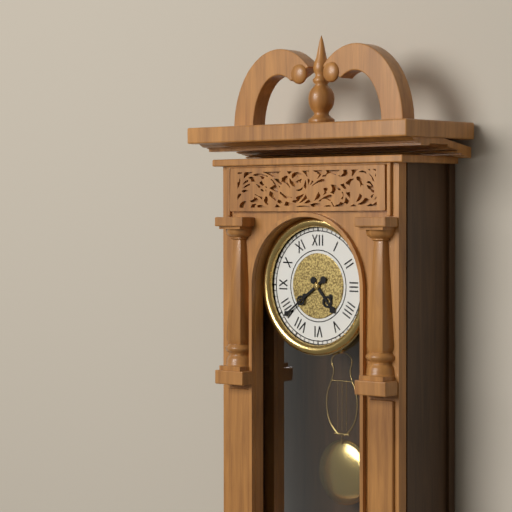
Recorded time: 4h39
